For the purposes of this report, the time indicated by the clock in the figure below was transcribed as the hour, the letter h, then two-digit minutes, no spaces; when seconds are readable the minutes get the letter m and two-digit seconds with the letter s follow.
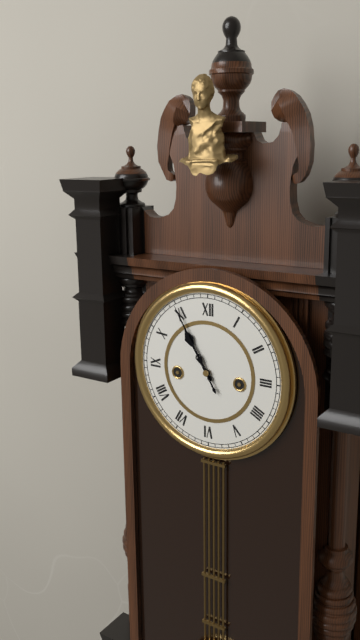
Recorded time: 10h55
